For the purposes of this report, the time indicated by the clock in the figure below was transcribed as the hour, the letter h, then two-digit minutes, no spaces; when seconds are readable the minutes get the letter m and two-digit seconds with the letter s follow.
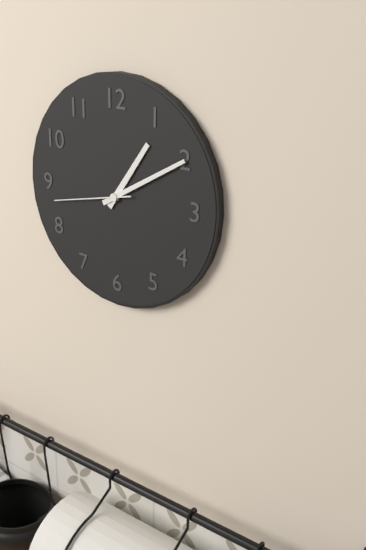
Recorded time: 1h10m43s
